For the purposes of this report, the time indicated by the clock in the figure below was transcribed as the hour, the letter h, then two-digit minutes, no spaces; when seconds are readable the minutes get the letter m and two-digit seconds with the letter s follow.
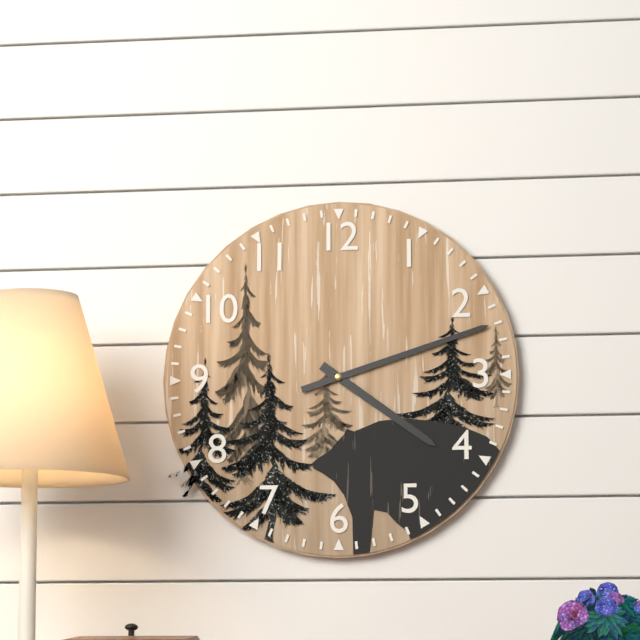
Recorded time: 4h12
